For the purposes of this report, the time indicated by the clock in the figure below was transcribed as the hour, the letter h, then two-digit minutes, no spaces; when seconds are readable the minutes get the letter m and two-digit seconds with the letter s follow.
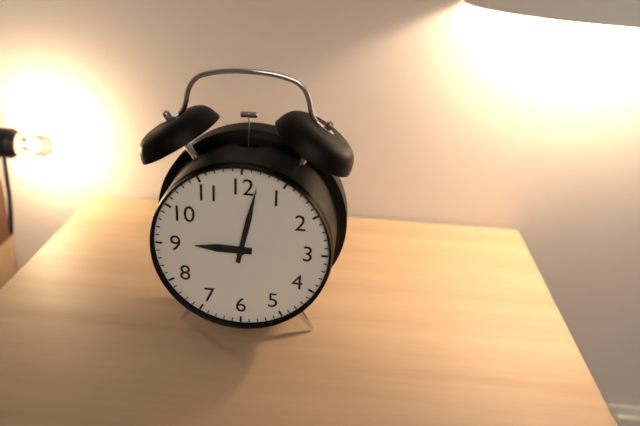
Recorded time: 9h02
